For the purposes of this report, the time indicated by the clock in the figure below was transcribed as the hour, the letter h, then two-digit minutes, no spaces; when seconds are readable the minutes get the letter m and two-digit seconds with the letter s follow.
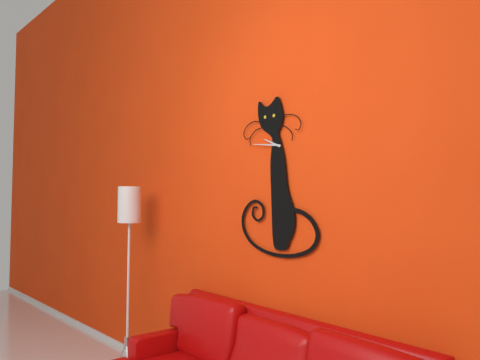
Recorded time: 9h46
